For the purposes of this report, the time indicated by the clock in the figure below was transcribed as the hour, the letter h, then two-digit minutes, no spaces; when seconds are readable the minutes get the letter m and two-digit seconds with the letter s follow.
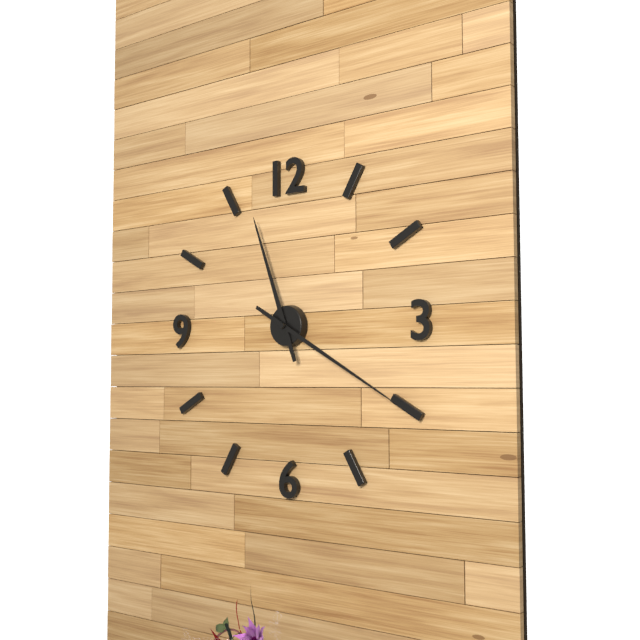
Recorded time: 11h20
